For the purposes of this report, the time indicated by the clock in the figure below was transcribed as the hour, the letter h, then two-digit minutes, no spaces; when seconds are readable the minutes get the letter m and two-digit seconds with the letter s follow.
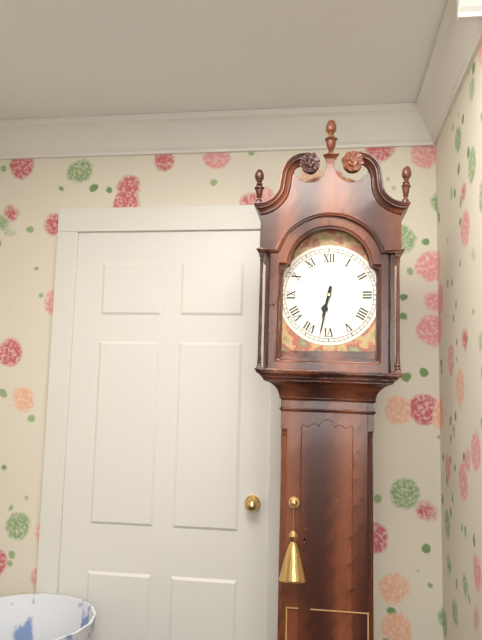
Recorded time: 6h32
